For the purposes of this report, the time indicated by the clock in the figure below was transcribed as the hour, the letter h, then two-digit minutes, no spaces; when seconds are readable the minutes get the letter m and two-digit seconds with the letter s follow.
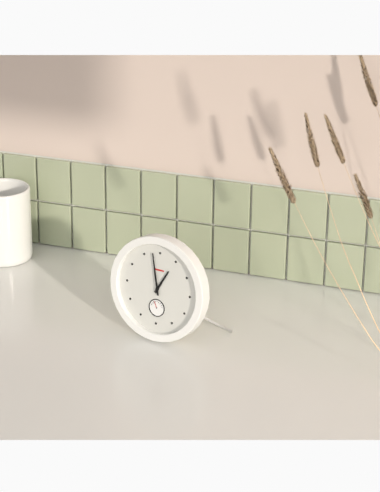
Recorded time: 12h58
